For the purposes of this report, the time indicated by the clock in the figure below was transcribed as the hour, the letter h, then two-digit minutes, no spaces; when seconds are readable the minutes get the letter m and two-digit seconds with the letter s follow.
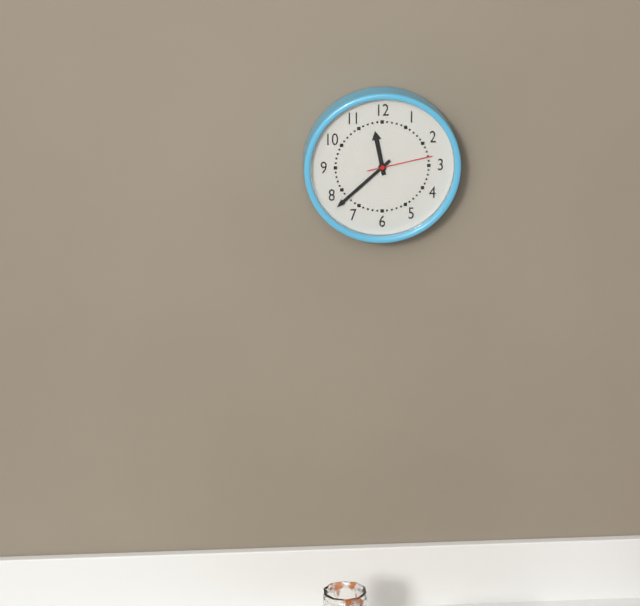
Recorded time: 11h38m13s
